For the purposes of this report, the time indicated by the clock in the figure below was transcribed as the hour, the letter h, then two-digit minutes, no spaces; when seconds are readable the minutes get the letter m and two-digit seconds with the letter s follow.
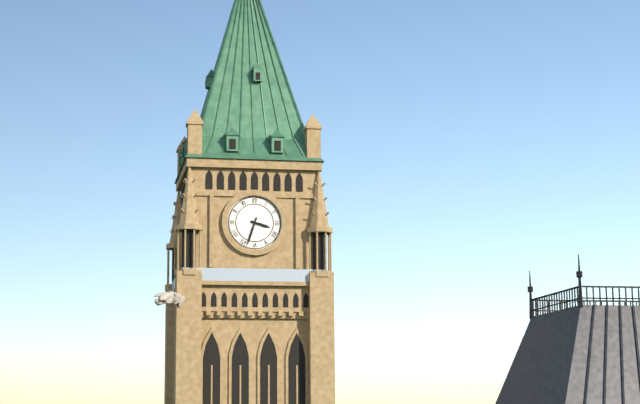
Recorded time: 3h33
